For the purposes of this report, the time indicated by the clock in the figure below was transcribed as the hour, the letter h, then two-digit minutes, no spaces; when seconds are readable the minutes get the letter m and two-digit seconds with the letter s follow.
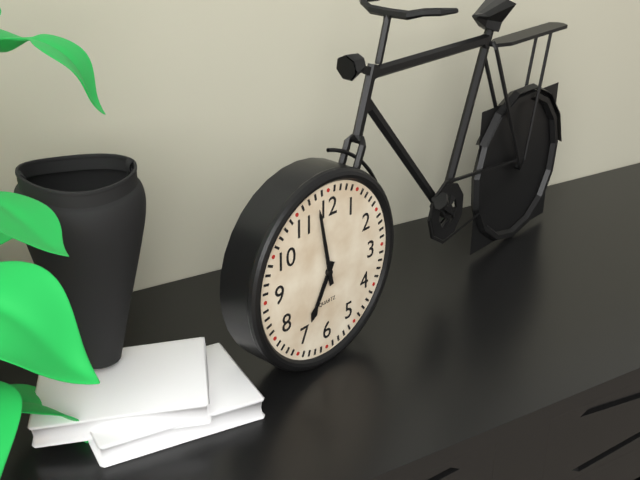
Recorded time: 6h58
